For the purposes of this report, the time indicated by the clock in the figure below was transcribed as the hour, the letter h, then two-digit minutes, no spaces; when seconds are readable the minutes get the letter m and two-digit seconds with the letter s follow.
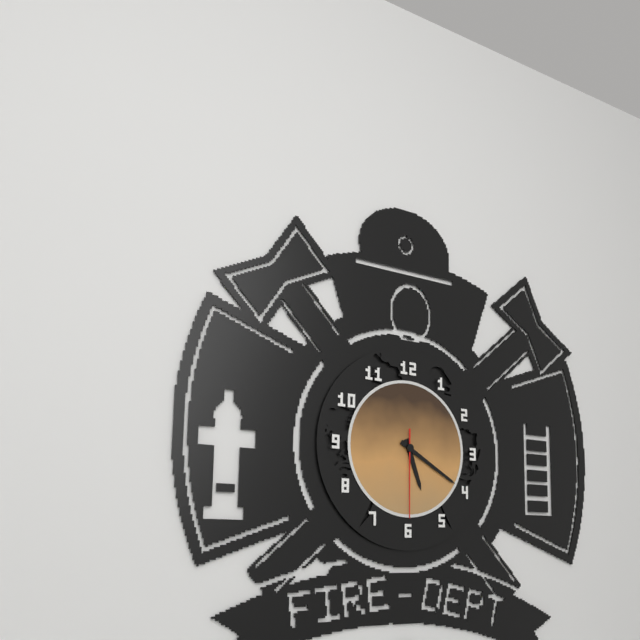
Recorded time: 5h20m30s
